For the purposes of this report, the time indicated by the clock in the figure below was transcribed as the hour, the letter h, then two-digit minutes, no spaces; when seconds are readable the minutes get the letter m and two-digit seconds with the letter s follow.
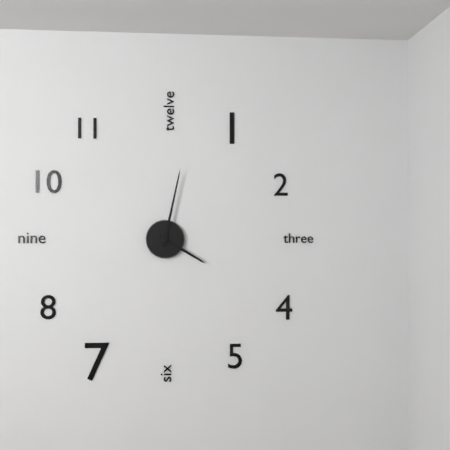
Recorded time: 4h02
